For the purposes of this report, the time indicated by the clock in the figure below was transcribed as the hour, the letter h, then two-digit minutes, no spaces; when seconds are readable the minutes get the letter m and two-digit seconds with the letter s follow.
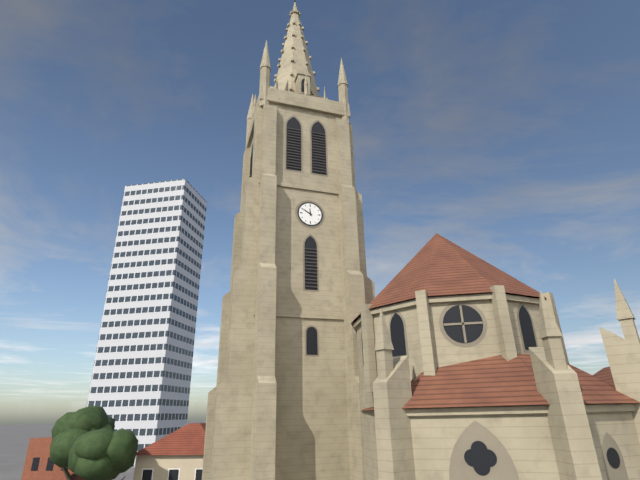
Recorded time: 11h50
